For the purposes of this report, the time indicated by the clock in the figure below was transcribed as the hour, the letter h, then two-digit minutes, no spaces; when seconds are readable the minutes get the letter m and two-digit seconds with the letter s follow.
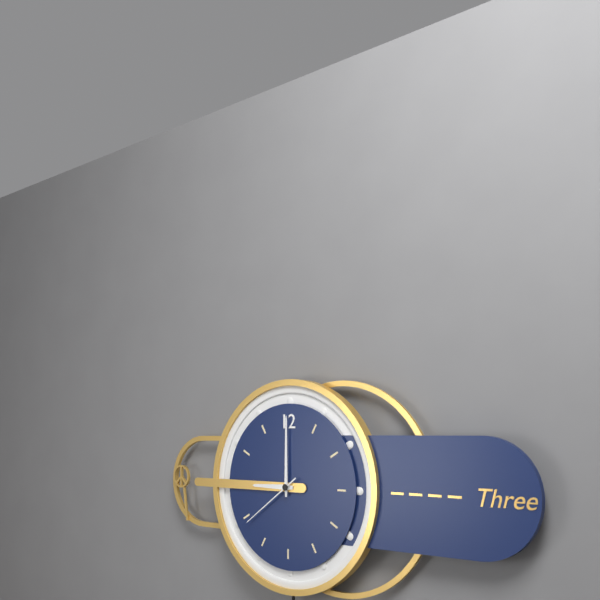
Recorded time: 9h00m39s
